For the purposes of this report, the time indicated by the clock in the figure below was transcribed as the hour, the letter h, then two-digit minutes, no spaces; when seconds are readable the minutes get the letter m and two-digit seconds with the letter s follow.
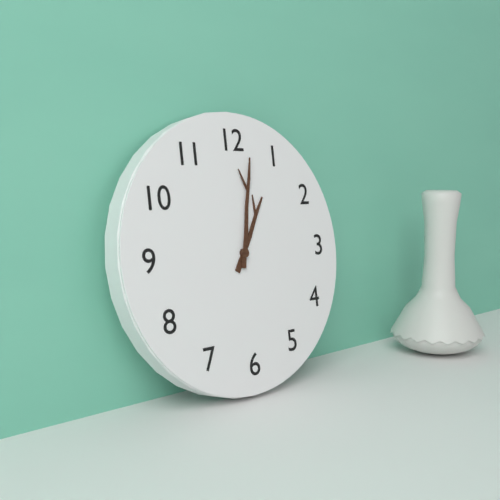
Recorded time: 1h02
